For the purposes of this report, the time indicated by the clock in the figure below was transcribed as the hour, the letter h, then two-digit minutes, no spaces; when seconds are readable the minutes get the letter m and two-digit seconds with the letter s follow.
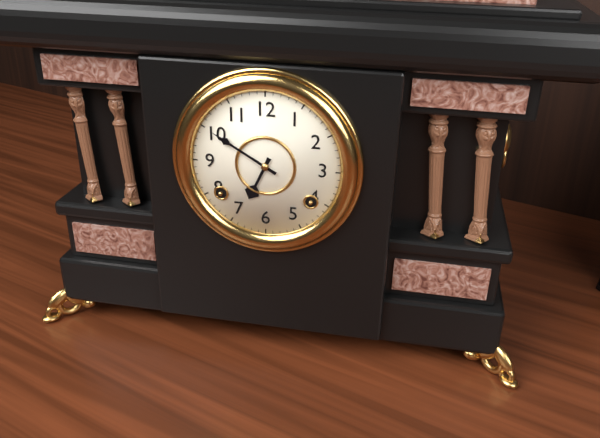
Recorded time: 6h50
